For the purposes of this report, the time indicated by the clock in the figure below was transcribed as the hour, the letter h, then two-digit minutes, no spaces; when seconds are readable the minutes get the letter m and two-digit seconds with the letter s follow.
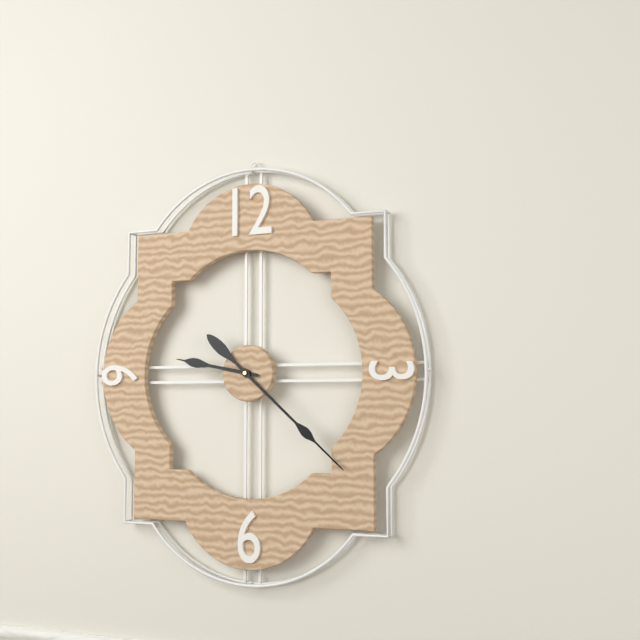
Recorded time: 9h22
